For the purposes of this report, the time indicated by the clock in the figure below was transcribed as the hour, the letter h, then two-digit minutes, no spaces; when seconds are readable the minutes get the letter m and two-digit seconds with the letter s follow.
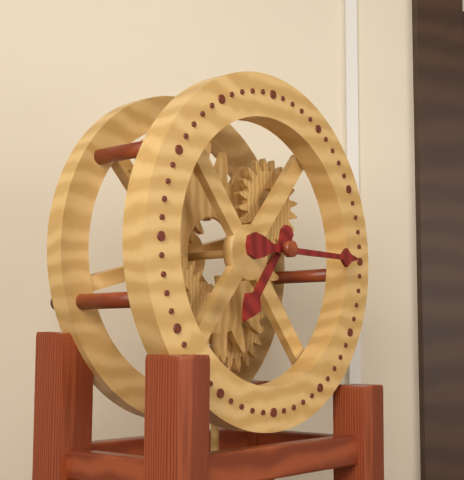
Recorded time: 7h15
